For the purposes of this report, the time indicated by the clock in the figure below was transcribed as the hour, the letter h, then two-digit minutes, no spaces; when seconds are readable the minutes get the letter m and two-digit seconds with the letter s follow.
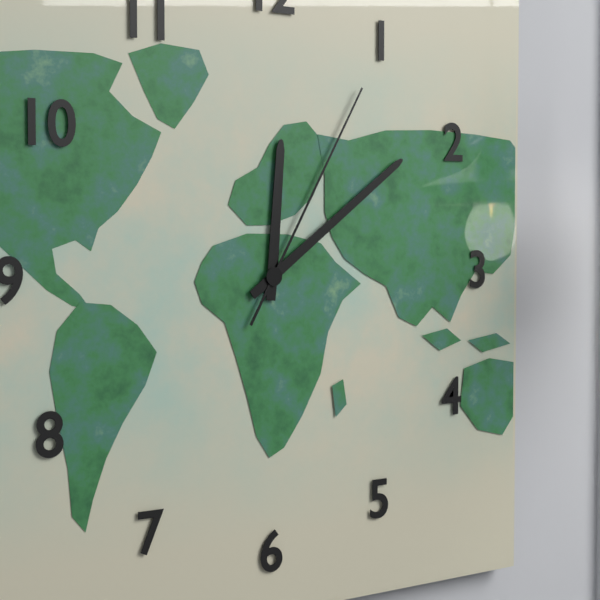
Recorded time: 12h09m05s
